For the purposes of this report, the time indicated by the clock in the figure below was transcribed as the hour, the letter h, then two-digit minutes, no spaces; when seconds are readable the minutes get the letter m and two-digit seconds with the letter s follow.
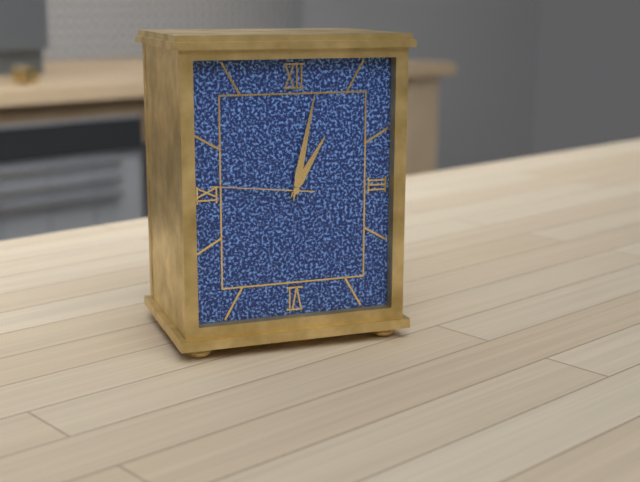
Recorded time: 1h02m46s
